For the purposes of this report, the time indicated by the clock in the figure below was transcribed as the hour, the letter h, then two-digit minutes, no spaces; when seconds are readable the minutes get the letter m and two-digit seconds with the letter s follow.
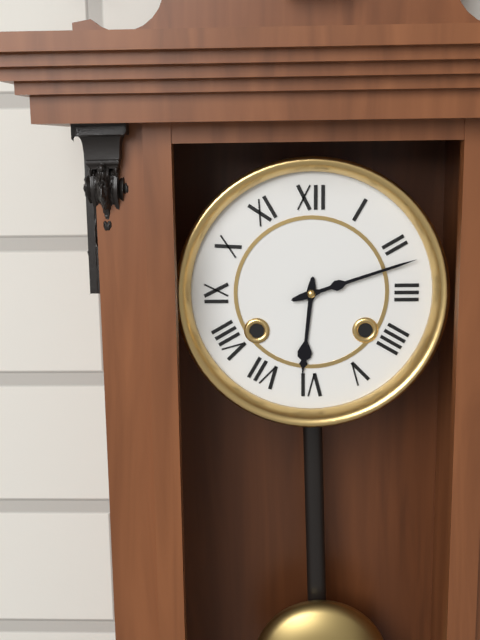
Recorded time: 6h12
